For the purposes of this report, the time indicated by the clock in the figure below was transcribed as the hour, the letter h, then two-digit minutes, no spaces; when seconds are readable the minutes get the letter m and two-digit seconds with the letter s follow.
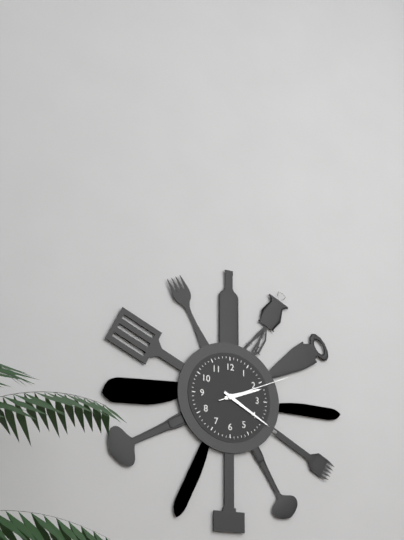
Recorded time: 2h20m11s
